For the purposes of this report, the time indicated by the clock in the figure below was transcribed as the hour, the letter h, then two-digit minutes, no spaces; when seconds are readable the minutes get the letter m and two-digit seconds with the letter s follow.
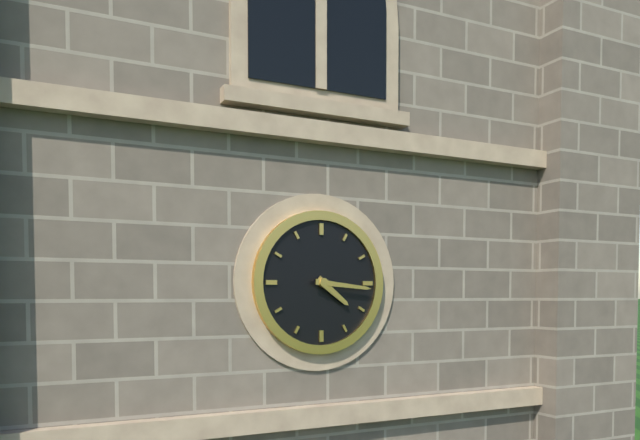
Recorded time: 4h16
